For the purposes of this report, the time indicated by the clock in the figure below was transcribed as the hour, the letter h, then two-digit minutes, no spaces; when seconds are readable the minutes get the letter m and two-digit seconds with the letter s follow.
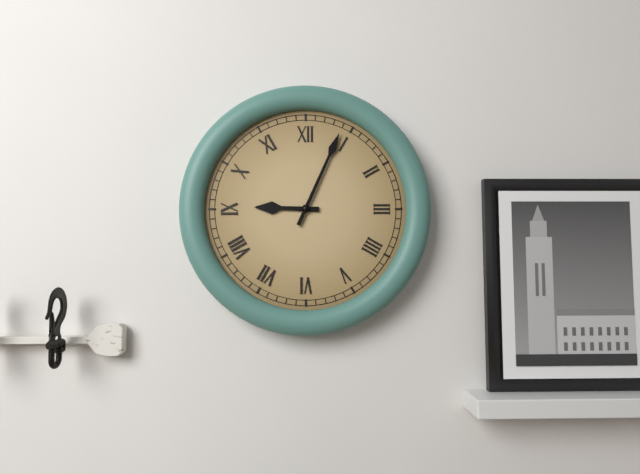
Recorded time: 9h04
